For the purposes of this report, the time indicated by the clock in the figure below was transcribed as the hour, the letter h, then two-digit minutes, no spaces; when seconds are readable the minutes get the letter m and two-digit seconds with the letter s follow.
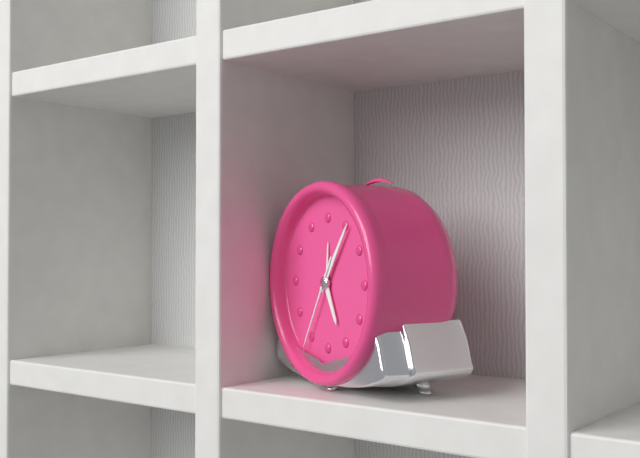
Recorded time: 5h06m35s
